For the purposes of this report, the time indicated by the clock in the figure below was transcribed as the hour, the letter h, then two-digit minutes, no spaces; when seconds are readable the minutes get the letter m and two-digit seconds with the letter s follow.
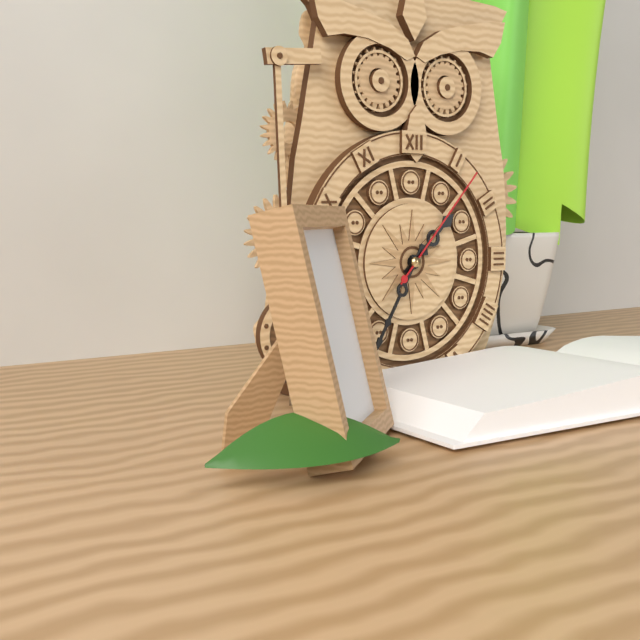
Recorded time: 1h35m07s
